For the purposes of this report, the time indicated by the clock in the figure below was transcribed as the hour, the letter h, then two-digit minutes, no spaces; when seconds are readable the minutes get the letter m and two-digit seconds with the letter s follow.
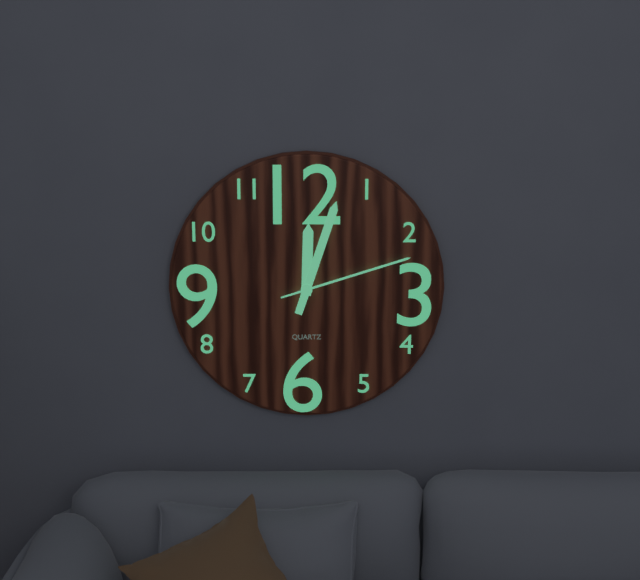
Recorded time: 12h03m12s
